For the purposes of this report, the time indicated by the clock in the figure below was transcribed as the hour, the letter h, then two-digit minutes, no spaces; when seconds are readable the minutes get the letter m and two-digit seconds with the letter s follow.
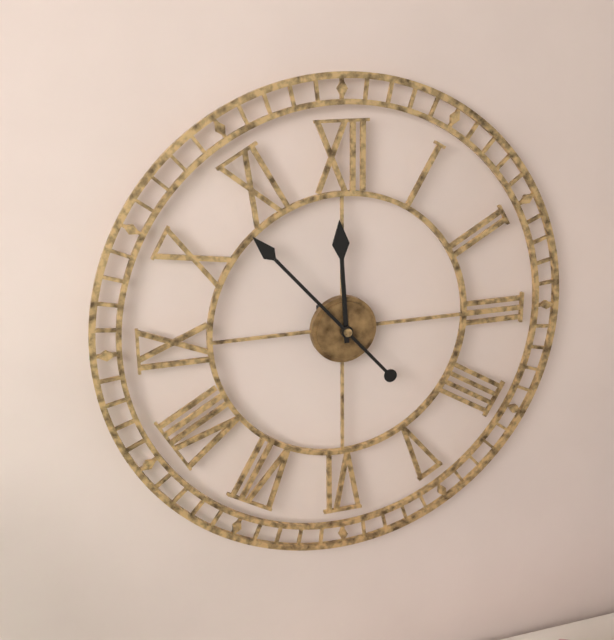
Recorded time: 11h53
